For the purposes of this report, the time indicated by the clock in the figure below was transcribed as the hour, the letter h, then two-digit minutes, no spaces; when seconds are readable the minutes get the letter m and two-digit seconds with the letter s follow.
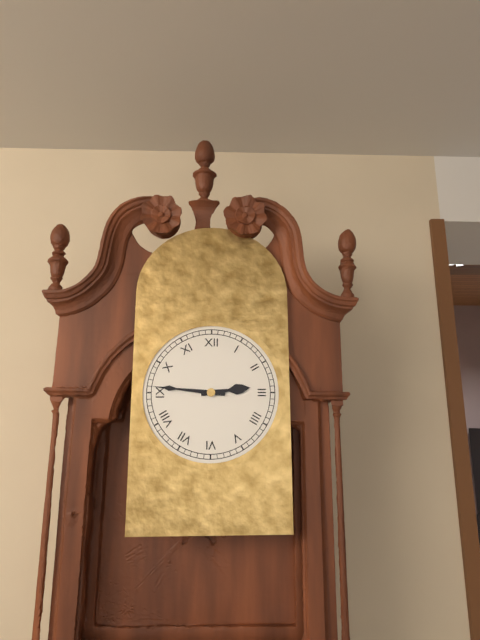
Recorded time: 2h46
